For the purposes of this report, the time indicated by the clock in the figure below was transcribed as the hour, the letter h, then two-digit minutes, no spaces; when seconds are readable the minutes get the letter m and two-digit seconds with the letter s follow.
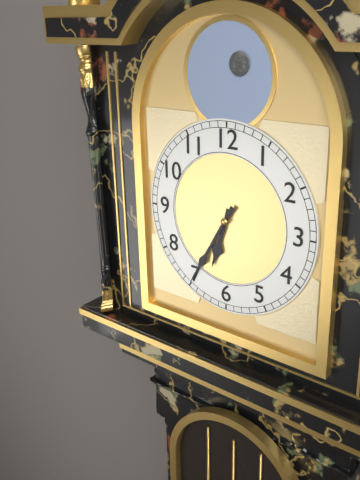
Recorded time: 6h35
